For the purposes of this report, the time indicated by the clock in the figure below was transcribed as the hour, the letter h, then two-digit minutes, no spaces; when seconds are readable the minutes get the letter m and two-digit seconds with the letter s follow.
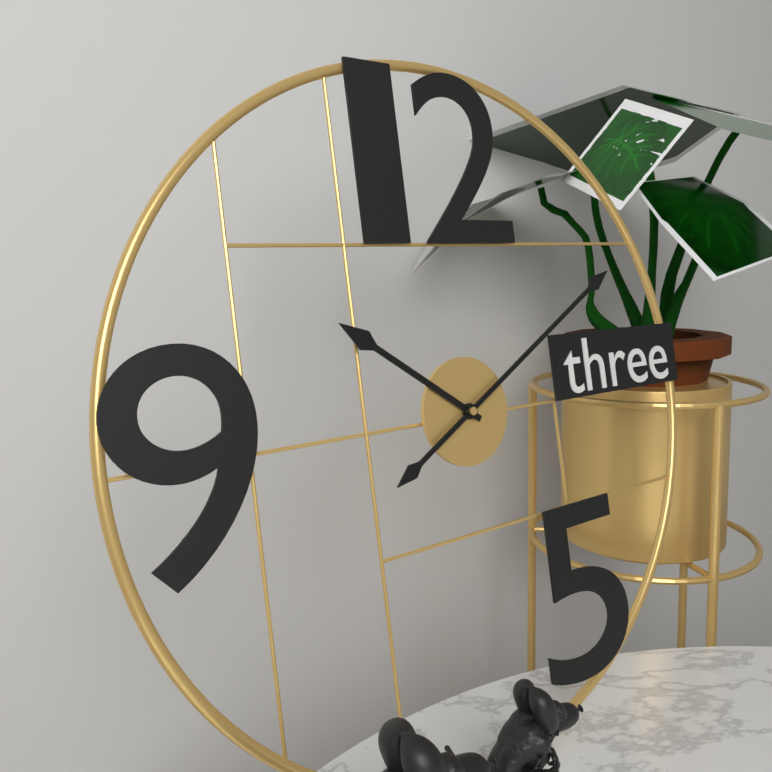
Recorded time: 10h10
